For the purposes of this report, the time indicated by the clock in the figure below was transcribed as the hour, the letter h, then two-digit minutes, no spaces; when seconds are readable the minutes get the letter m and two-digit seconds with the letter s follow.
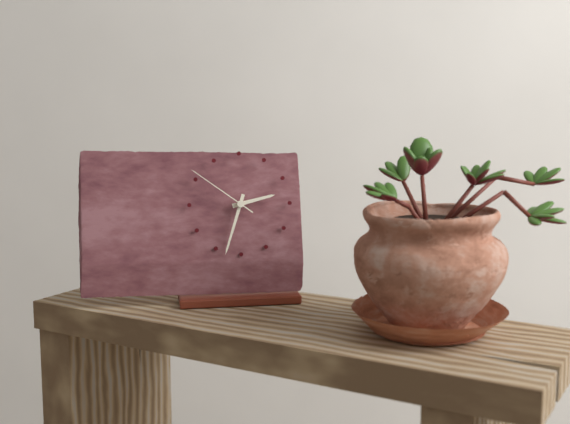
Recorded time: 2h33m51s
